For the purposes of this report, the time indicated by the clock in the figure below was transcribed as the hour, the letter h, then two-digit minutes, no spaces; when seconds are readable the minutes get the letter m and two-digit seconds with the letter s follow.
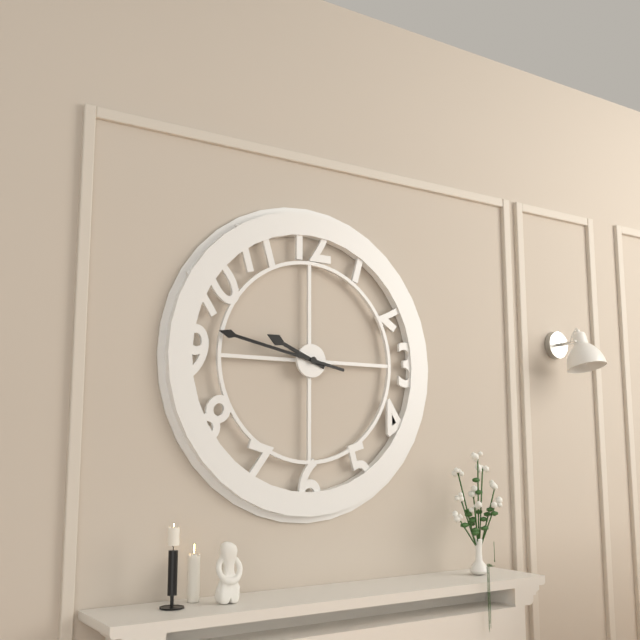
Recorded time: 9h47
